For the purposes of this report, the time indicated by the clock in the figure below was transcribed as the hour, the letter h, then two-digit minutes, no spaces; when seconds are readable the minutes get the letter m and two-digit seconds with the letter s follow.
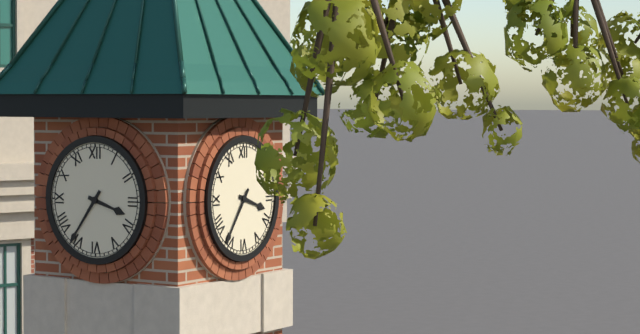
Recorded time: 3h36
